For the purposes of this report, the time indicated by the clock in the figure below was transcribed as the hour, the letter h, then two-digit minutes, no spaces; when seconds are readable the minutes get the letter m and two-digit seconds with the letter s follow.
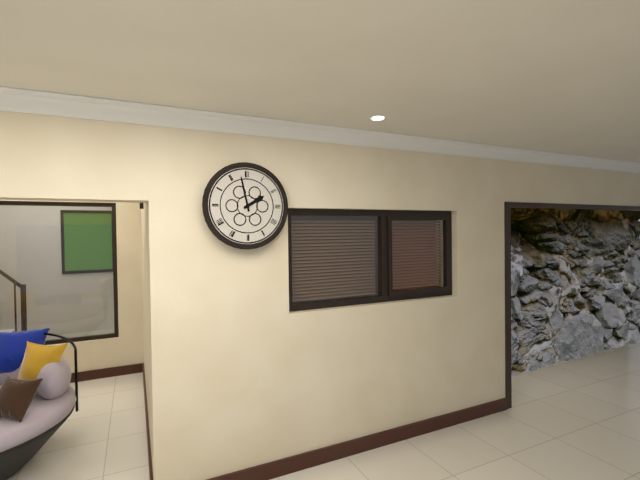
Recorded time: 1h58
